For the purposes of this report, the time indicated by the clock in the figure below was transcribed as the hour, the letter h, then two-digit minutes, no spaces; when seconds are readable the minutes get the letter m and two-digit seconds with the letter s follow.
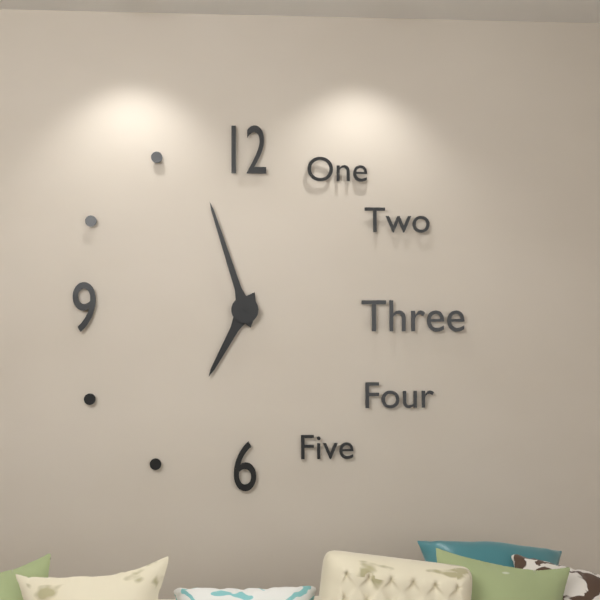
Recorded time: 6h57
